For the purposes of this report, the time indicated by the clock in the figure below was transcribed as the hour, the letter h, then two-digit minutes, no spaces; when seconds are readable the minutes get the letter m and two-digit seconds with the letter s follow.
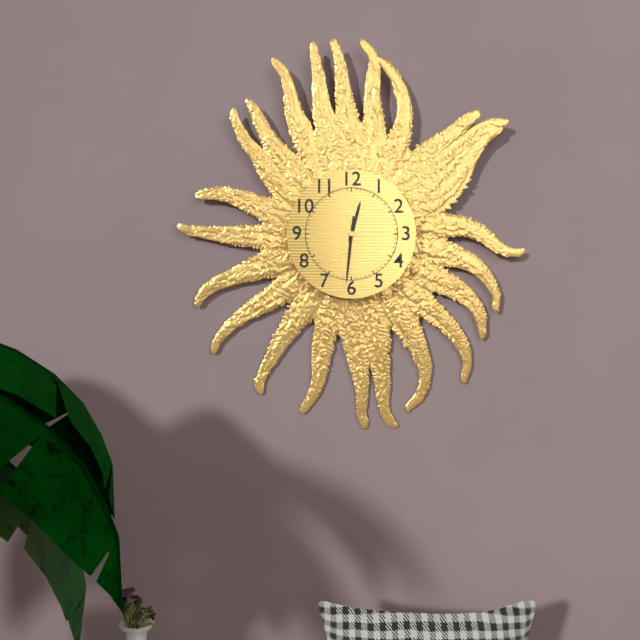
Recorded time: 12h31m31s
